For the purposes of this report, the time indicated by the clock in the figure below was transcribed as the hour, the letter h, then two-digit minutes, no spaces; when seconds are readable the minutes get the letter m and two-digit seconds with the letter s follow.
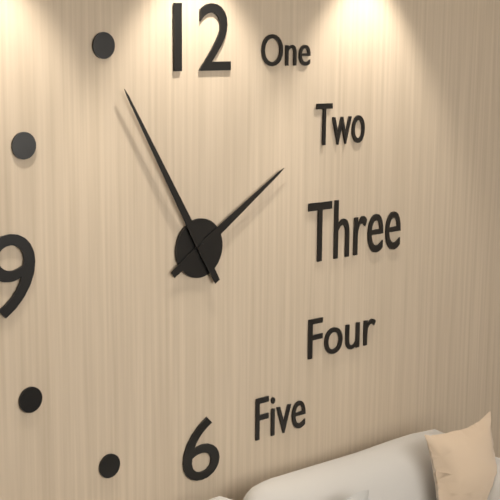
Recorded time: 1h55
